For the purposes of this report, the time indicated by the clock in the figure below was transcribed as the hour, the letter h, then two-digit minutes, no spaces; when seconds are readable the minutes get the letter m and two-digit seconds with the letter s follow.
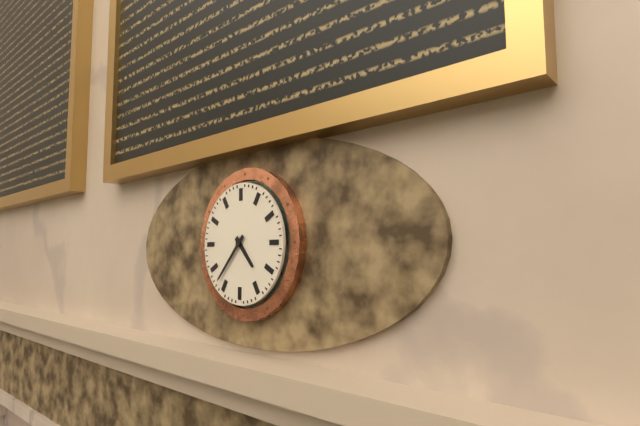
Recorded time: 4h37
